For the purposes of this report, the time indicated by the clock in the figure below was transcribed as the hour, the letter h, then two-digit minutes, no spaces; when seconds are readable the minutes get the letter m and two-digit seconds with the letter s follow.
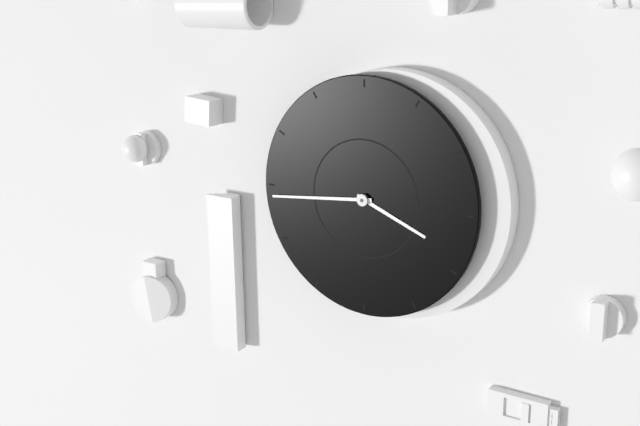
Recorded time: 3h44
